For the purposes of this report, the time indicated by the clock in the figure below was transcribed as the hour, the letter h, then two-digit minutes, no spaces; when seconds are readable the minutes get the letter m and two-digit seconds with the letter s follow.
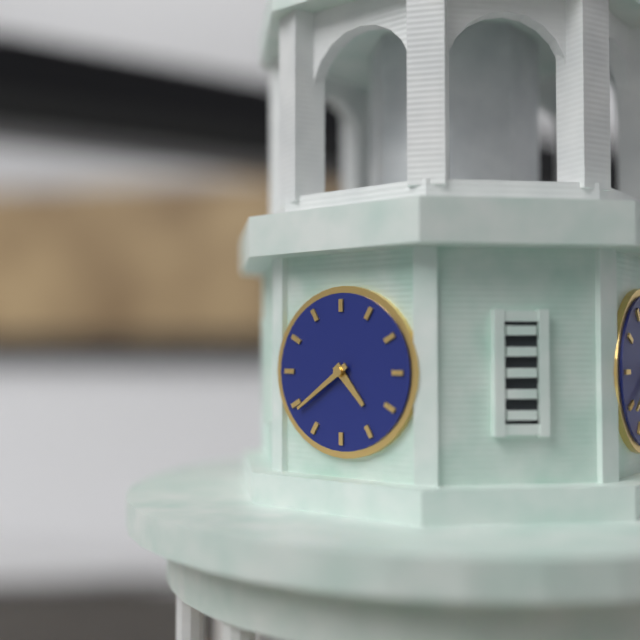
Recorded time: 4h39
